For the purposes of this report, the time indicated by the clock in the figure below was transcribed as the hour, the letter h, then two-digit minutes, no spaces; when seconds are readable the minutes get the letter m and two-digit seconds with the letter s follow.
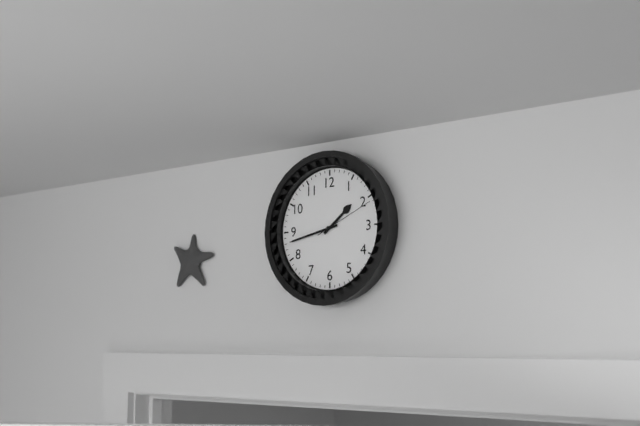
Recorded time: 1h43m11s
